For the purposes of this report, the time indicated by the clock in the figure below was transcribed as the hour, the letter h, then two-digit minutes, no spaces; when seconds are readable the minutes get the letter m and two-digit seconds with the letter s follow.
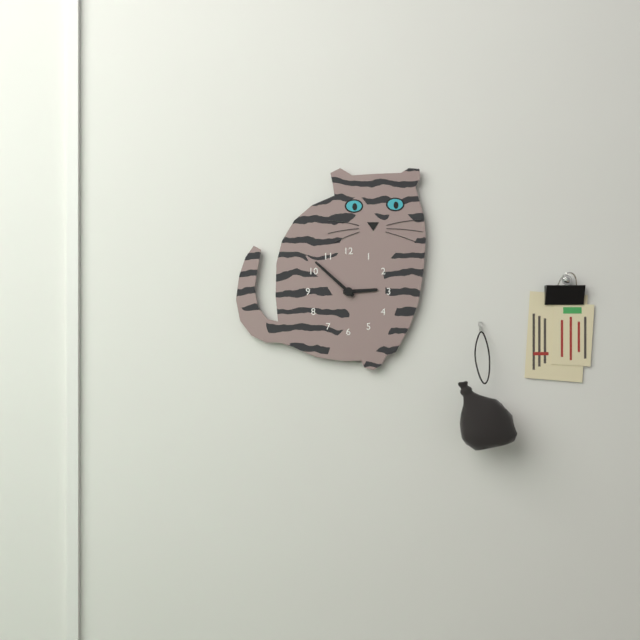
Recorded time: 2h52
